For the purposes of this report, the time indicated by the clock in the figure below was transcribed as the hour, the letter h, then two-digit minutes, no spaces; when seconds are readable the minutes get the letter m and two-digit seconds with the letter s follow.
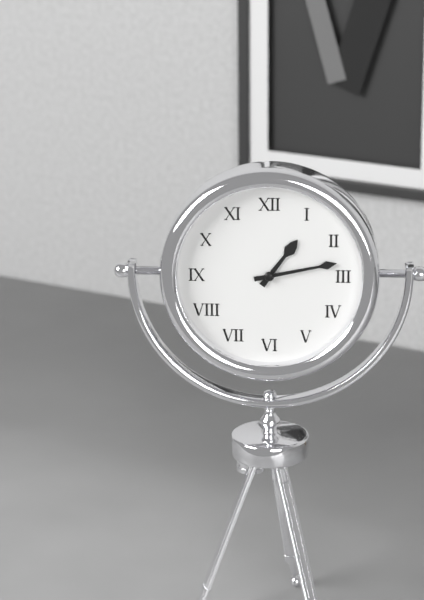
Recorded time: 1h13
